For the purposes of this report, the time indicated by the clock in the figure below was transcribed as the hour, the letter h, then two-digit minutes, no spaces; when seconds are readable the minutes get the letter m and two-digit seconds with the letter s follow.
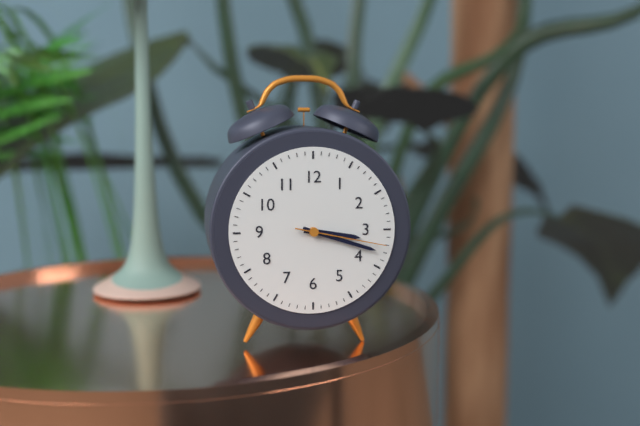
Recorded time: 3h18m17s
